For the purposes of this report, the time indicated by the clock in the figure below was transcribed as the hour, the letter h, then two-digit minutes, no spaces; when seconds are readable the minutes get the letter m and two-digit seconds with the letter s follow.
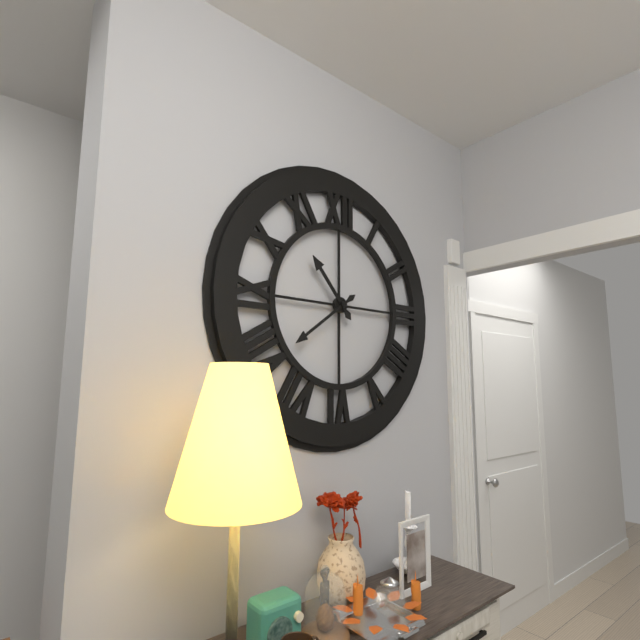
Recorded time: 10h39
